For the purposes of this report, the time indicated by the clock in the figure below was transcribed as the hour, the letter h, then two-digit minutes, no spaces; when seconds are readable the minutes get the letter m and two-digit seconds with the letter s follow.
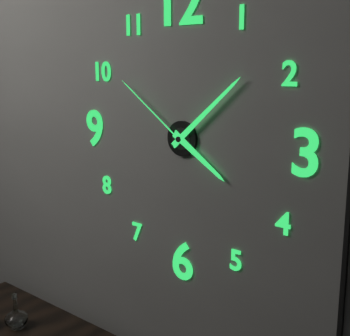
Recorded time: 4h08m51s
